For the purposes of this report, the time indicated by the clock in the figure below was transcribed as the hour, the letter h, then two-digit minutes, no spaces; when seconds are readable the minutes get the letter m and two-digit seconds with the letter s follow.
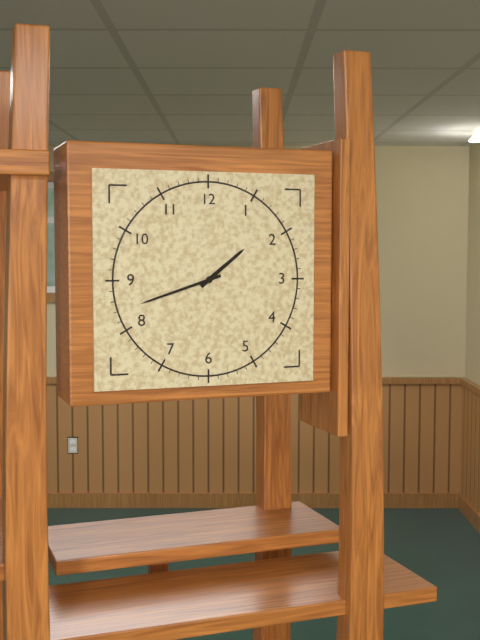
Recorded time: 1h42
